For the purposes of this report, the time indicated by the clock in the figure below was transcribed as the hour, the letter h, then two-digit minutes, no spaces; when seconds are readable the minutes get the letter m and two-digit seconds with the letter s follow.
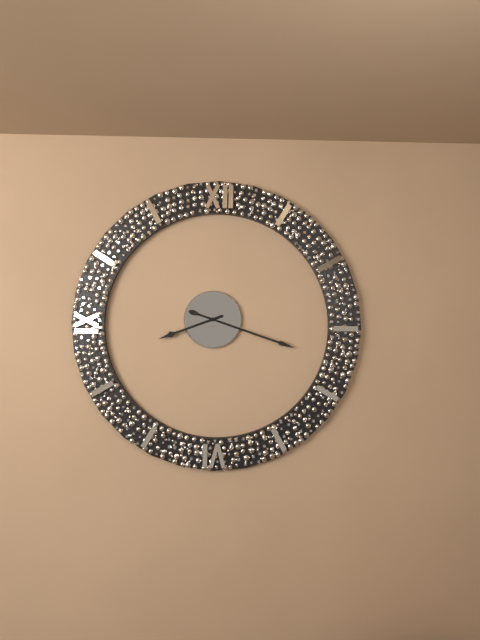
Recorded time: 8h18
